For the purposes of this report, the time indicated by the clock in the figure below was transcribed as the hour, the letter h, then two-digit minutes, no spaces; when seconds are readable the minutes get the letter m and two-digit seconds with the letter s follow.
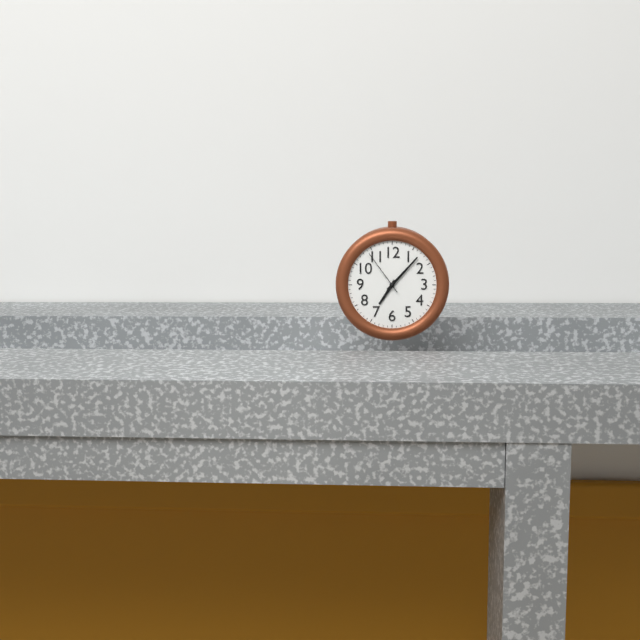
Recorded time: 7h07
